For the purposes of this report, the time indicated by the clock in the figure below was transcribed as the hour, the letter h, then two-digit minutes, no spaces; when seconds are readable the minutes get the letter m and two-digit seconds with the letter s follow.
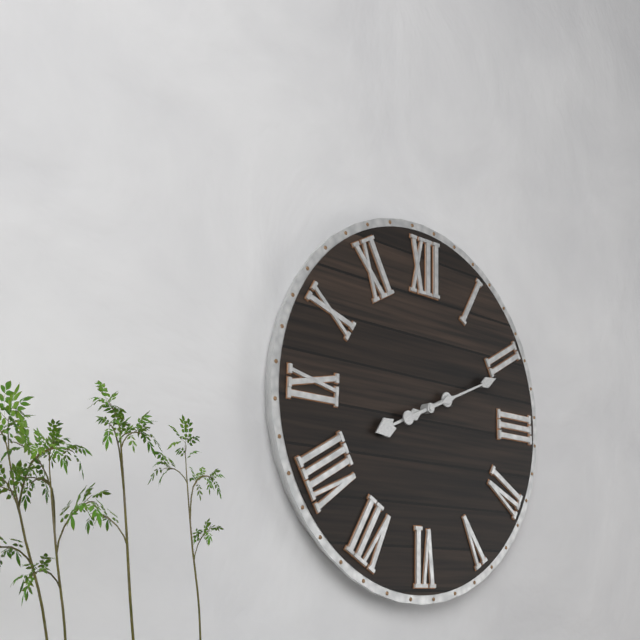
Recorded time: 8h11
